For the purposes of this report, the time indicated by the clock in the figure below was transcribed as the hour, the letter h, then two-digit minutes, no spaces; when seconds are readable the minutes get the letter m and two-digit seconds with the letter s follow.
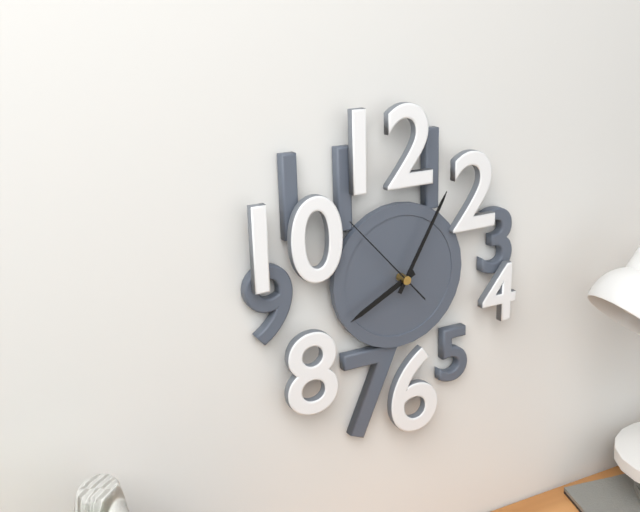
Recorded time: 8h05m53s
